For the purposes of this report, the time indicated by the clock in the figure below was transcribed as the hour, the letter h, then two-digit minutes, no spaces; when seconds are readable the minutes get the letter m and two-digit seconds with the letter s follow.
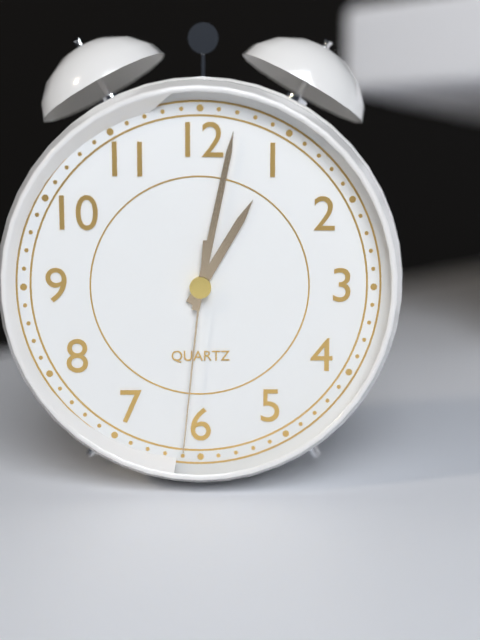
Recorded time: 1h02m31s
